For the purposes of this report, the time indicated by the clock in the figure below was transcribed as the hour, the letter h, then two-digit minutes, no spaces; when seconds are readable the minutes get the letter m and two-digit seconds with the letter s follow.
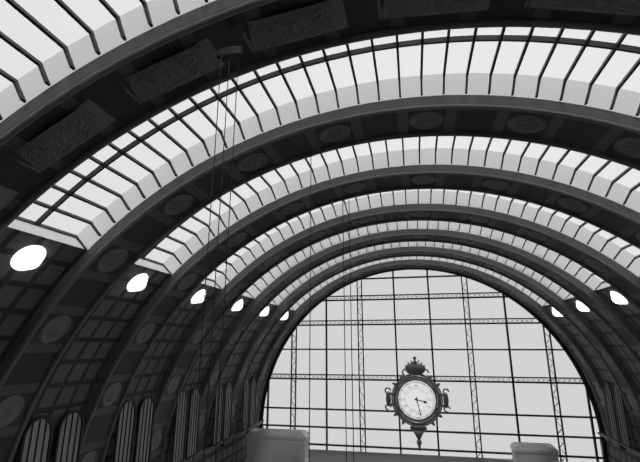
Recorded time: 3h28
